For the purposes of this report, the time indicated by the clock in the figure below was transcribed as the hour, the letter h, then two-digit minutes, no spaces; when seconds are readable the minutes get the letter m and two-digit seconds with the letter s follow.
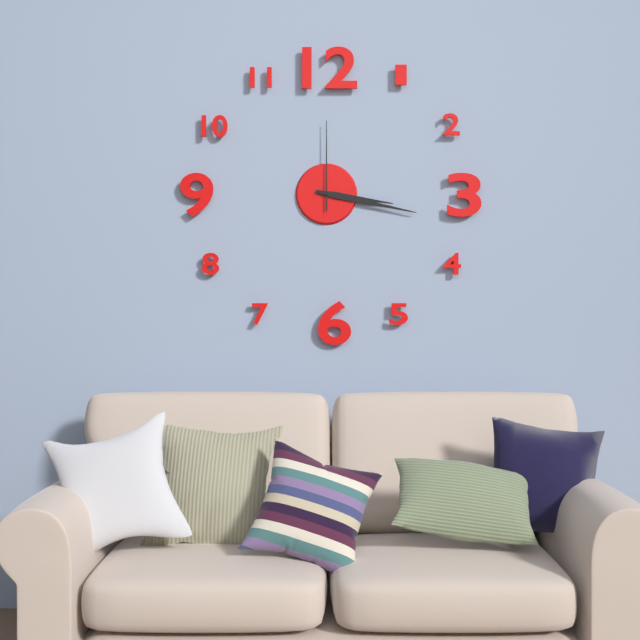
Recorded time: 3h17m00s
